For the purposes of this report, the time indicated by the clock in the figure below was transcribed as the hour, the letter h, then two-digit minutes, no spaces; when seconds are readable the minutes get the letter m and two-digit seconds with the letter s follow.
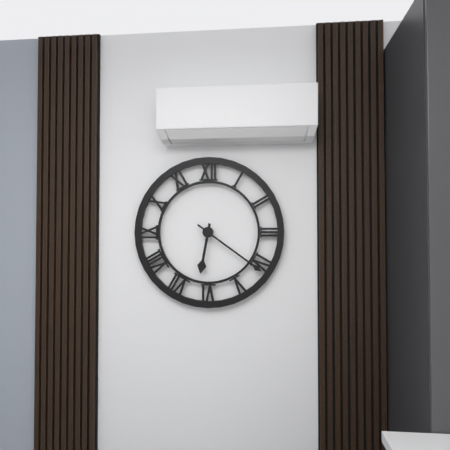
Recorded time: 6h21
